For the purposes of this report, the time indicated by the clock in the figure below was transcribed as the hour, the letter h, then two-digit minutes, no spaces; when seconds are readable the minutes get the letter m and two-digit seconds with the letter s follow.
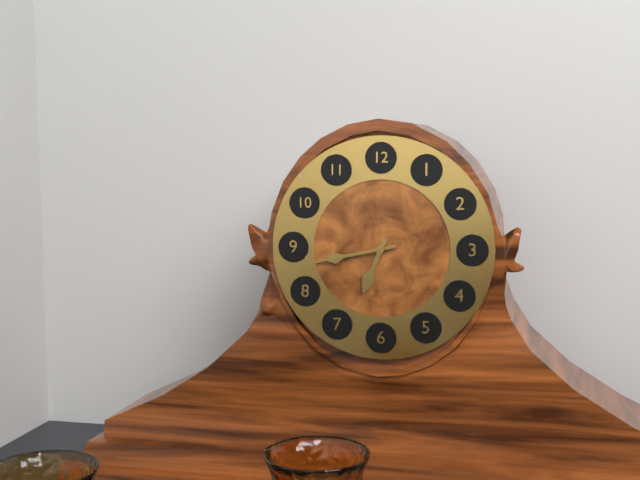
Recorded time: 6h43
